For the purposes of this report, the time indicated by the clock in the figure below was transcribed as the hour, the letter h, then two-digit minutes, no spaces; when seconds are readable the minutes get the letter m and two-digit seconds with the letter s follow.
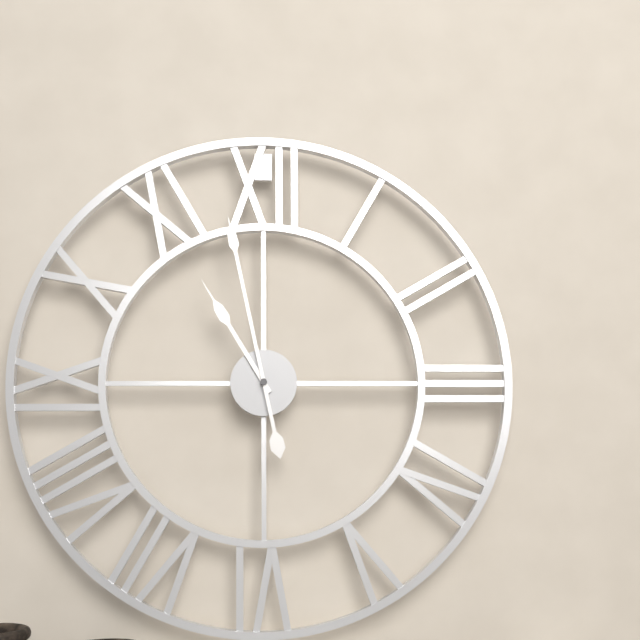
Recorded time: 10h58
